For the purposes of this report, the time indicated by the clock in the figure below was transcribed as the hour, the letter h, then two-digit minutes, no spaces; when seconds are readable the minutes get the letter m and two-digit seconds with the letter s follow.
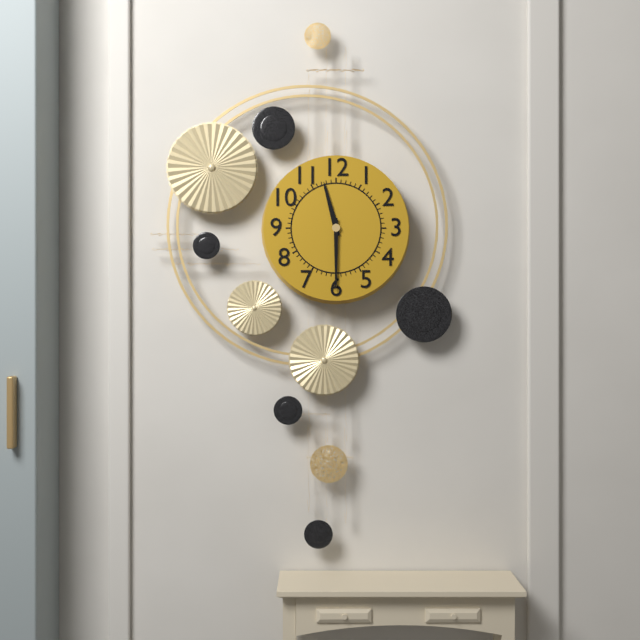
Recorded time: 11h30
